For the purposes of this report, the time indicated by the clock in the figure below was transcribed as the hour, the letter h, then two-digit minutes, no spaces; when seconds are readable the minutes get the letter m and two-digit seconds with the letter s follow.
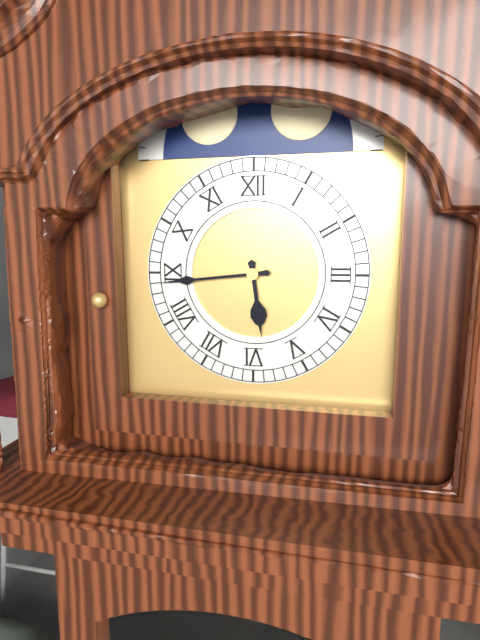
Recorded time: 5h44
